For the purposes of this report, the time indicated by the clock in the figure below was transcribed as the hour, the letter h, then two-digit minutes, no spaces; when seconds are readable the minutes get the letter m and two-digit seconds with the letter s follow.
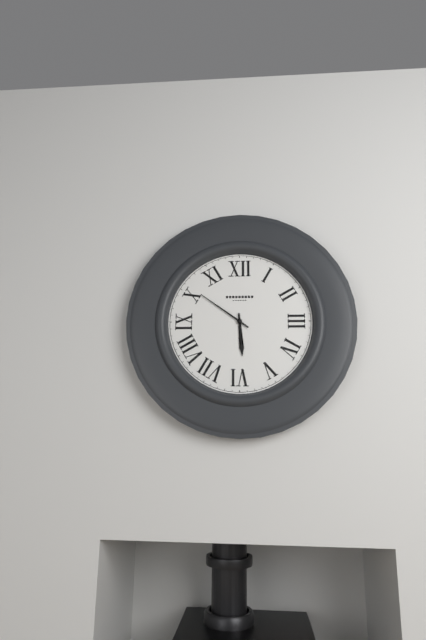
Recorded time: 5h51
